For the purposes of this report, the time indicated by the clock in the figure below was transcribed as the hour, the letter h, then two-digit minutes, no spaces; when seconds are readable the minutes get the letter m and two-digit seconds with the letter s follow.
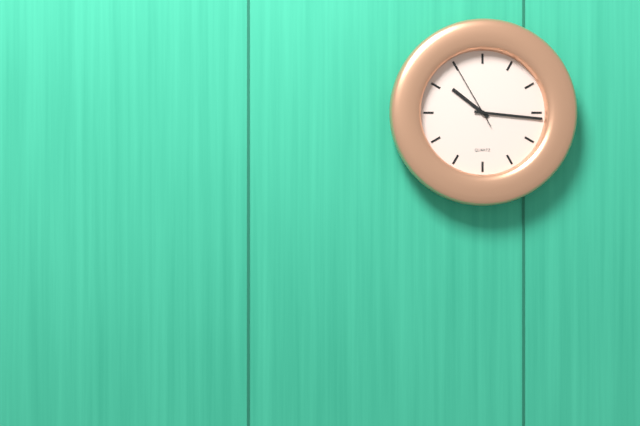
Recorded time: 10h16m55s
